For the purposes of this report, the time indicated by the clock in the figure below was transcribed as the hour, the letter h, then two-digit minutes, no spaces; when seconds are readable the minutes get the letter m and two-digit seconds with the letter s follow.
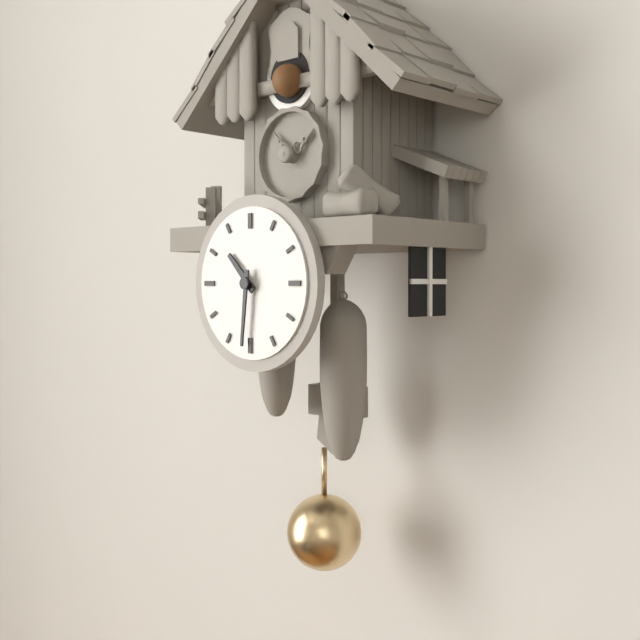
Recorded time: 10h31
